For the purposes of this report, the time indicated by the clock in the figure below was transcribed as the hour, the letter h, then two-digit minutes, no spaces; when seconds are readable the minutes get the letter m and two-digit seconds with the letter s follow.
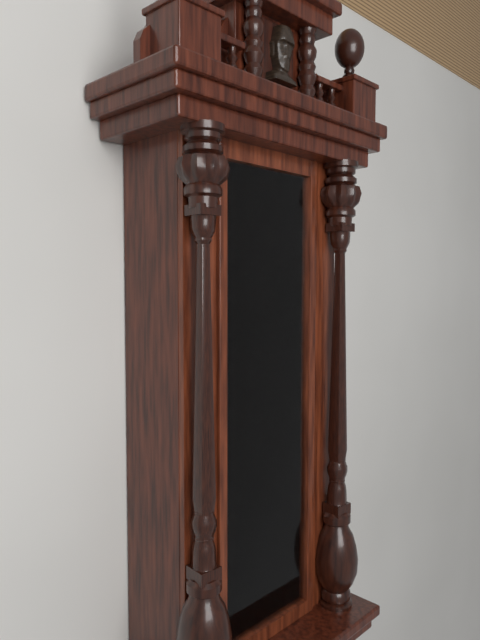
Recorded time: 3h20
